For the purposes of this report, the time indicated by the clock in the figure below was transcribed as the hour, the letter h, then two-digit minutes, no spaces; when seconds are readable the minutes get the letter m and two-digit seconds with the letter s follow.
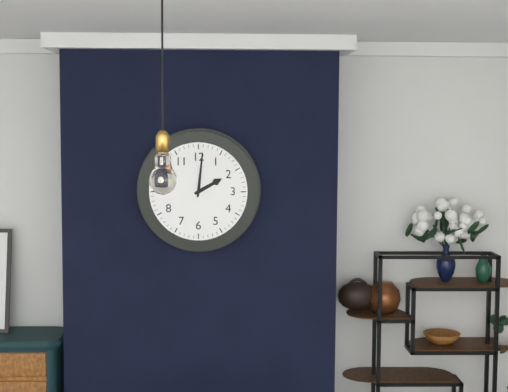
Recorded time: 2h01
